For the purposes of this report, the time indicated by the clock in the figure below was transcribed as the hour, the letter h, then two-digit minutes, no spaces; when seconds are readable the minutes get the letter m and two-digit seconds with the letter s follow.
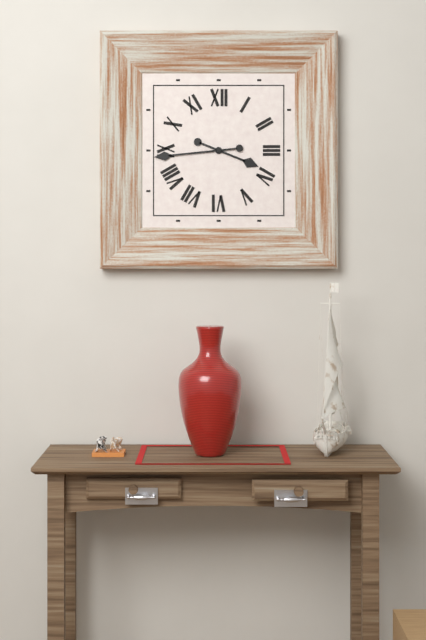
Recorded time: 3h44
